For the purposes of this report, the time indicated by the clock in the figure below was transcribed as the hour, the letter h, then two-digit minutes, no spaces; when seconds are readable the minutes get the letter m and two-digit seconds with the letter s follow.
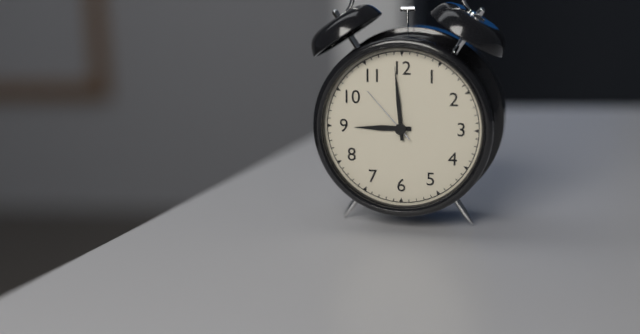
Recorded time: 8h59m53s
